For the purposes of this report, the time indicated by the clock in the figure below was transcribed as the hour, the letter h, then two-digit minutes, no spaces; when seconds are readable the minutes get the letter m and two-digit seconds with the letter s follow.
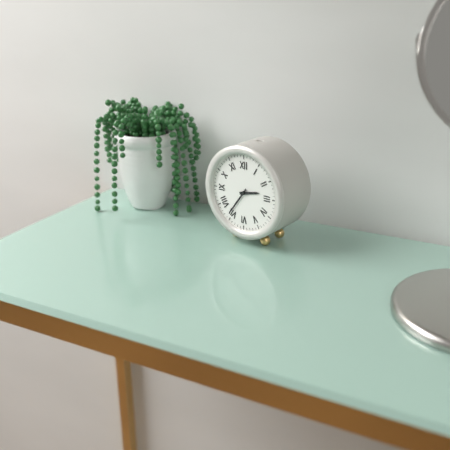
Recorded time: 2h36
